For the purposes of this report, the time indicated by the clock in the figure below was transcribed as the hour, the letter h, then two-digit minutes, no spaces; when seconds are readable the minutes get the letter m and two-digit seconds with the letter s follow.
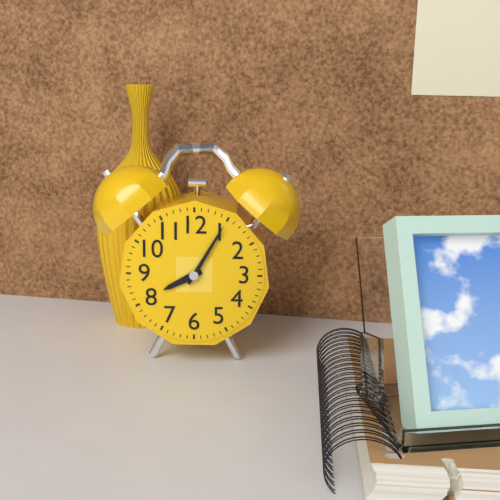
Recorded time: 8h05
